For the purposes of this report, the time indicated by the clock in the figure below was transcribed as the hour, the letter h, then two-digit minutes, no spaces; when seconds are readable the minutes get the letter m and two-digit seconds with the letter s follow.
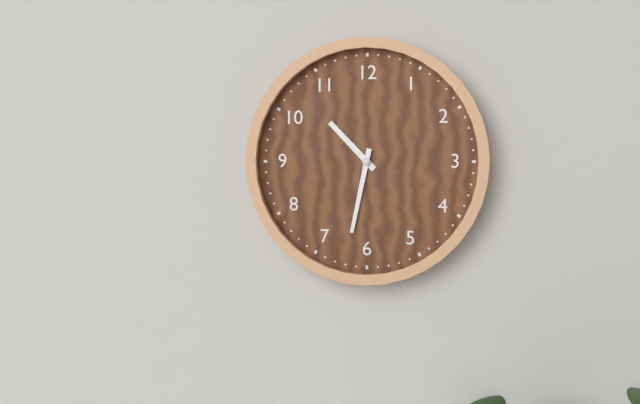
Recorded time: 10h32
